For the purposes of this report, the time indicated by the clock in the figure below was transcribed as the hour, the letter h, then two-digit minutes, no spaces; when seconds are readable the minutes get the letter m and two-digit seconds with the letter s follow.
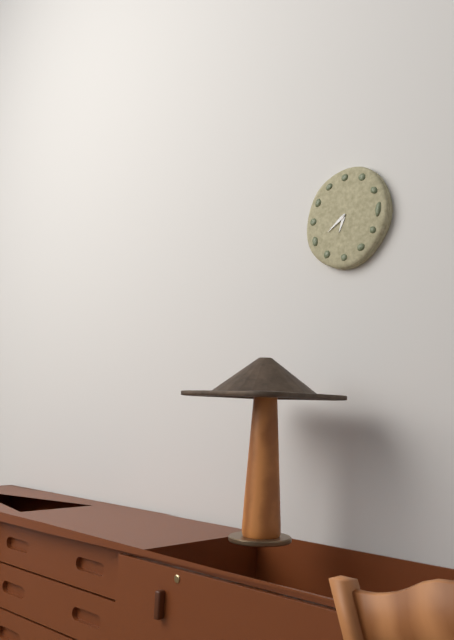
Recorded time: 6h39
